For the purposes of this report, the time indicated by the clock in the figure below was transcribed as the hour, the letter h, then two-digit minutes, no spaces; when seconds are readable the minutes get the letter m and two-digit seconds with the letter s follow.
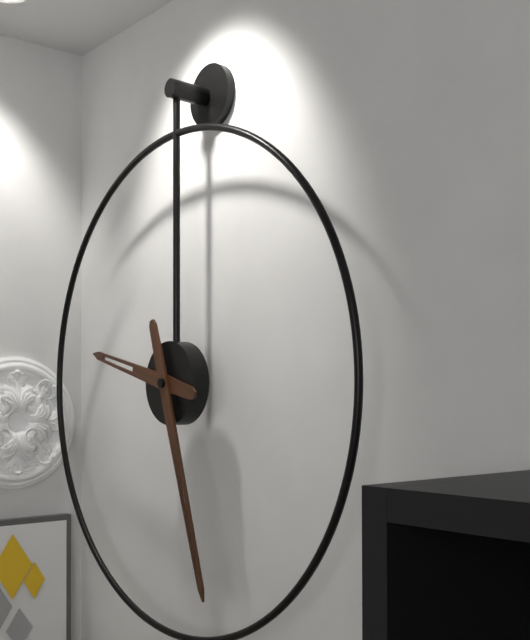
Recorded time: 9h27
